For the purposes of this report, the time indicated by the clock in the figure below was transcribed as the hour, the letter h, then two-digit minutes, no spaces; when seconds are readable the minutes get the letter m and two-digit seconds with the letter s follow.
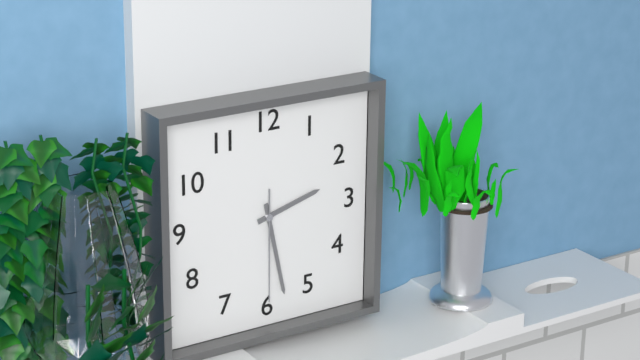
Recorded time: 2h28m30s
